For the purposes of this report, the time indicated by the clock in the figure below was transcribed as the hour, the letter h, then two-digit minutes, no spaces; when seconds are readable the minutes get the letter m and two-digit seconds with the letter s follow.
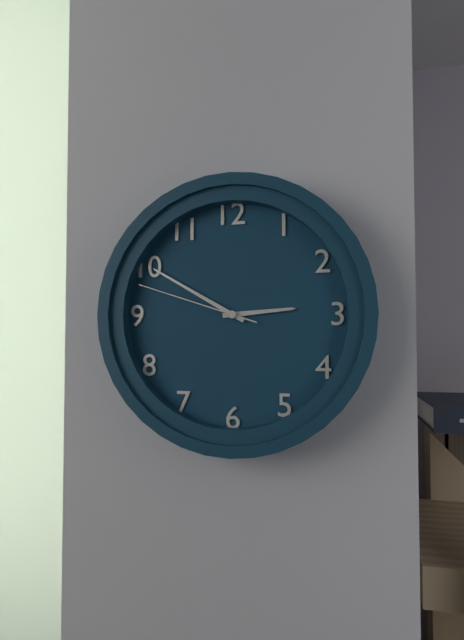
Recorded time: 2h50m48s
